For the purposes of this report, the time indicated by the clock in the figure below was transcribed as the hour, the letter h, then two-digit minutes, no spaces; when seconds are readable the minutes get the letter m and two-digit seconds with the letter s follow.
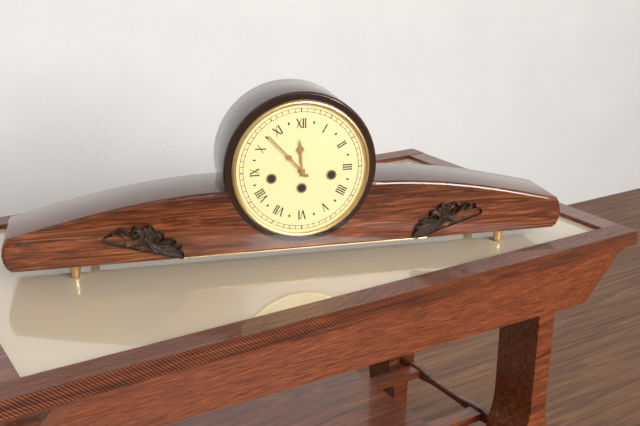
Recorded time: 11h53
